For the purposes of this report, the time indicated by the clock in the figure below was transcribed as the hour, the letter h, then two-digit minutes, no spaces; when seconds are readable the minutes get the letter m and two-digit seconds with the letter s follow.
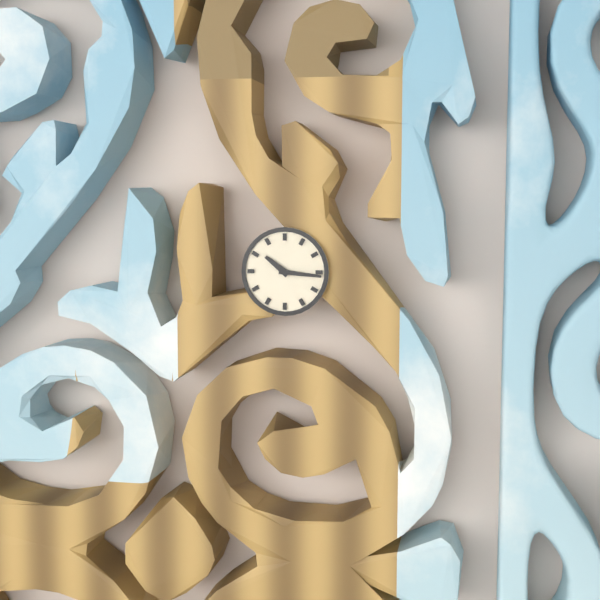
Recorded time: 10h16
